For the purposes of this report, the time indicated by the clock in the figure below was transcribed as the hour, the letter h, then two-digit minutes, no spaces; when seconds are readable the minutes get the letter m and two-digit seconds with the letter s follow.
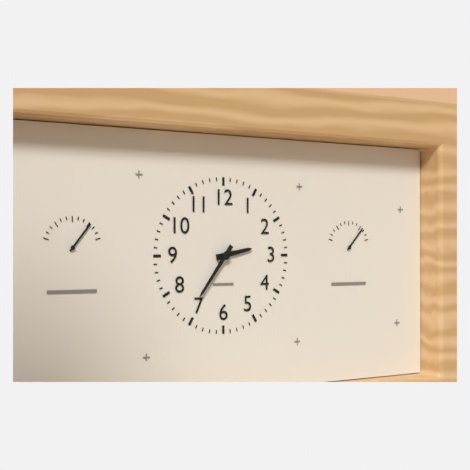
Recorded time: 2h36
